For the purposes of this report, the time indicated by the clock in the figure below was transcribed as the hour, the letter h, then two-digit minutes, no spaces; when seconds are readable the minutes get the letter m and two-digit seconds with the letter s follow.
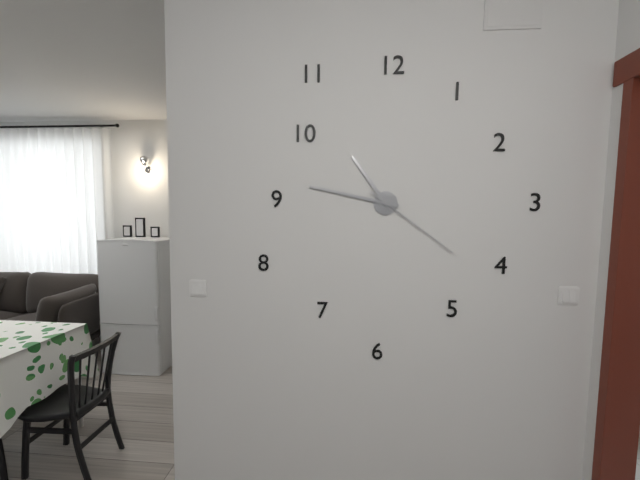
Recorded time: 10h47m21s
